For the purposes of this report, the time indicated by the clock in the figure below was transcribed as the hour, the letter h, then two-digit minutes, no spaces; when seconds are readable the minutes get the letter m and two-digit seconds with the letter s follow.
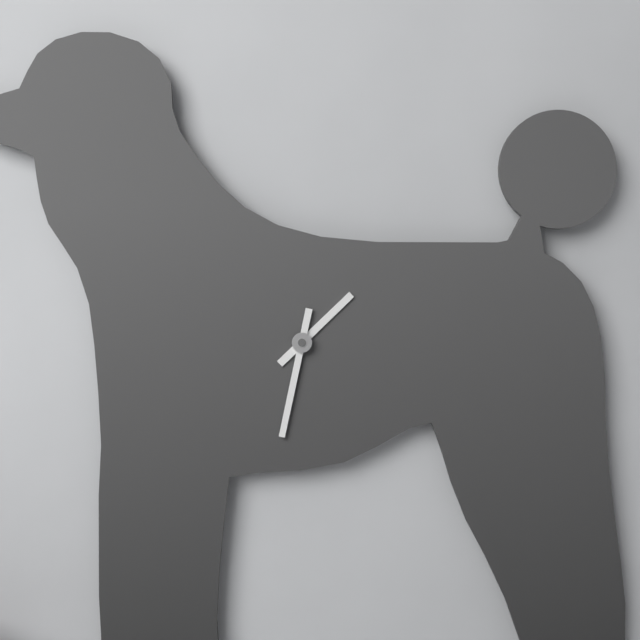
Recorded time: 1h32
